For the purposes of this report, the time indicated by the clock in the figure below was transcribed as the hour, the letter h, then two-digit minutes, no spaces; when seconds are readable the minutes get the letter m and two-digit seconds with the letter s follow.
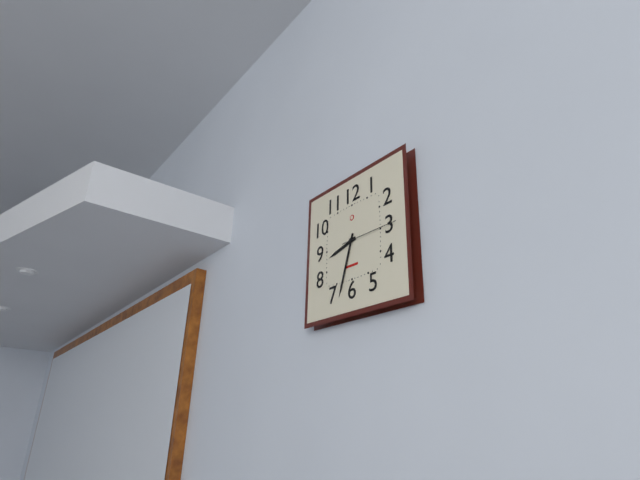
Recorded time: 8h33m15s
